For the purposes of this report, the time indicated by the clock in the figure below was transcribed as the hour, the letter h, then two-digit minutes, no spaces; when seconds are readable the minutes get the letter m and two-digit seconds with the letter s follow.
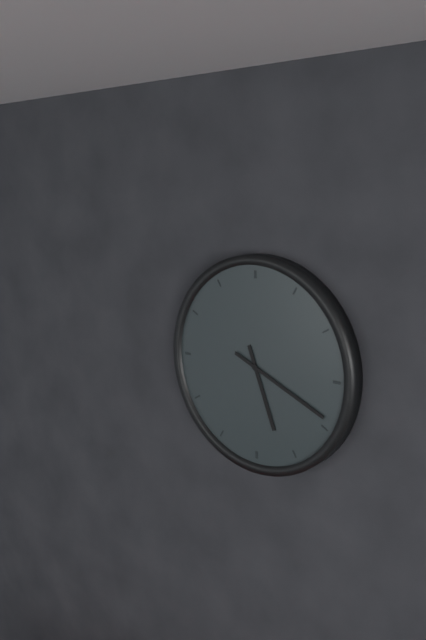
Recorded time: 5h19
